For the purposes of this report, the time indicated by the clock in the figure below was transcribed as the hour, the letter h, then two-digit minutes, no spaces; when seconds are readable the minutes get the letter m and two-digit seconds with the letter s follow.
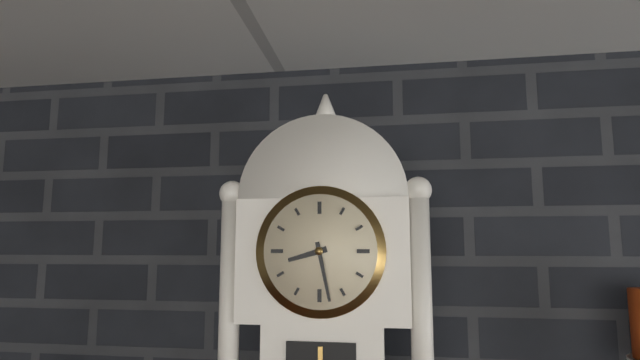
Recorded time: 8h28
